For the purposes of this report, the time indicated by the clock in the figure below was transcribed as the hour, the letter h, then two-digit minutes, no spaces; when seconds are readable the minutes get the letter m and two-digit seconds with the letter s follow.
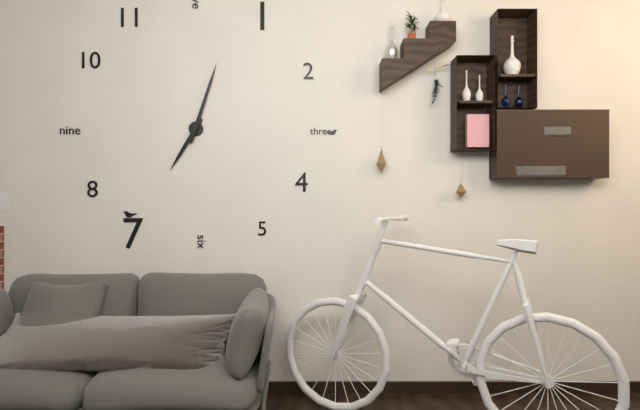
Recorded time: 7h03
